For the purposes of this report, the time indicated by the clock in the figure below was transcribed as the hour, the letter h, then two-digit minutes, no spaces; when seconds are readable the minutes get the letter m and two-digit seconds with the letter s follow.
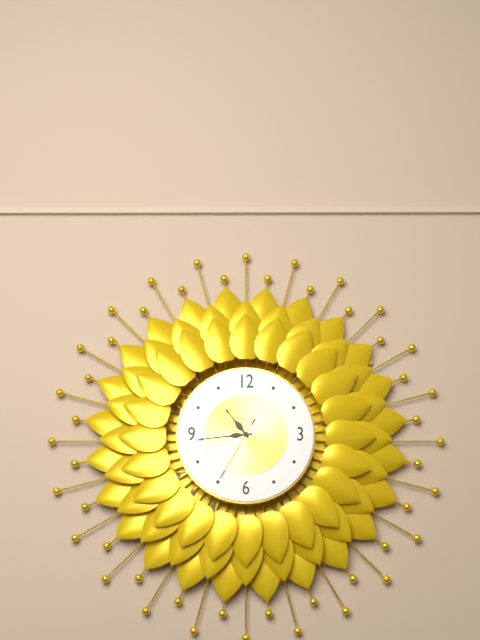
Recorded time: 10h44m35s
